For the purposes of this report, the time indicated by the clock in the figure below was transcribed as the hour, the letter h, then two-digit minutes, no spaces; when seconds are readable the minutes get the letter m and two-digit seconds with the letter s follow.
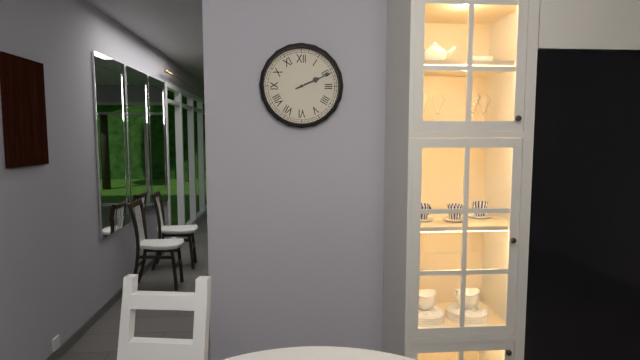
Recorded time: 2h11
